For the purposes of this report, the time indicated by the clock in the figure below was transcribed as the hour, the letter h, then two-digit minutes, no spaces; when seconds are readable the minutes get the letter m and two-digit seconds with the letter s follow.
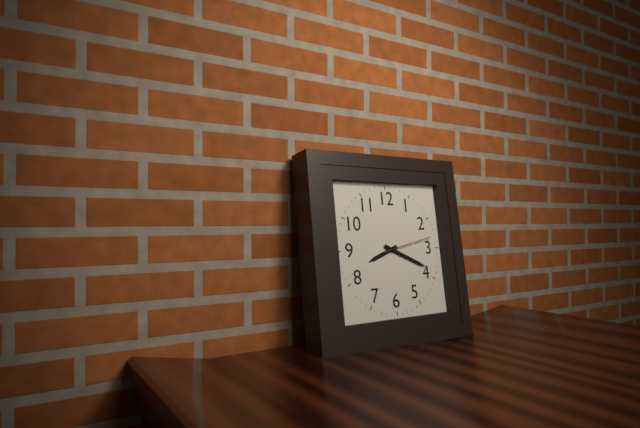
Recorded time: 8h19m13s
